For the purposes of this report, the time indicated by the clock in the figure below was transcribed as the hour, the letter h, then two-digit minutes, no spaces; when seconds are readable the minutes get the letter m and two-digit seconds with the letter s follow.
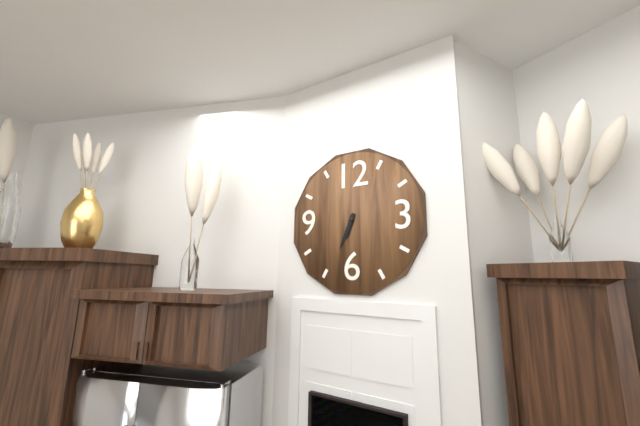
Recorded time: 6h34
